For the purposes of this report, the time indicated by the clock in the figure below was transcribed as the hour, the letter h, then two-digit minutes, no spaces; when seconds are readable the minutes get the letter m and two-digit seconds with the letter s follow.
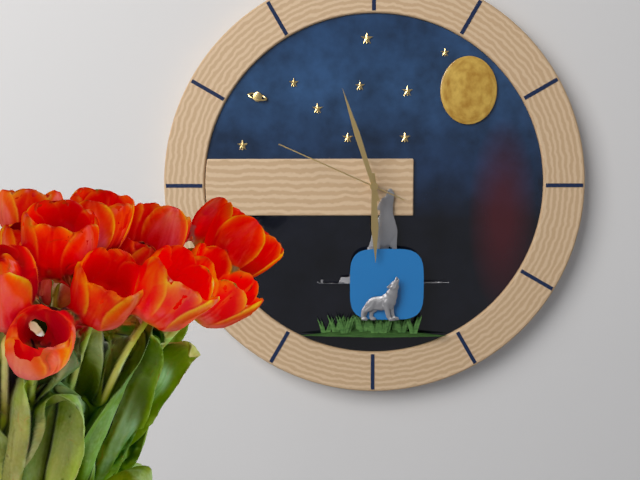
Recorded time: 5h57m49s
